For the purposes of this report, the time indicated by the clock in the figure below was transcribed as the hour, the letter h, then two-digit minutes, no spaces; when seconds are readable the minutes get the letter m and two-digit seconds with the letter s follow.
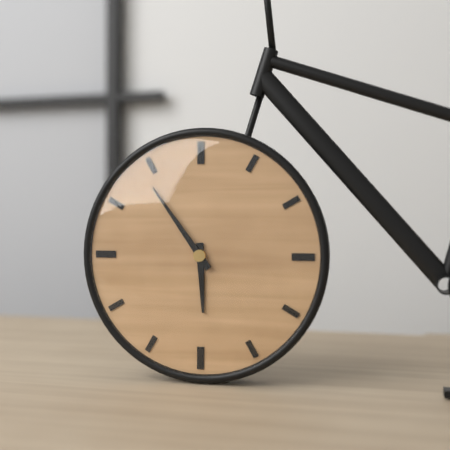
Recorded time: 5h54
